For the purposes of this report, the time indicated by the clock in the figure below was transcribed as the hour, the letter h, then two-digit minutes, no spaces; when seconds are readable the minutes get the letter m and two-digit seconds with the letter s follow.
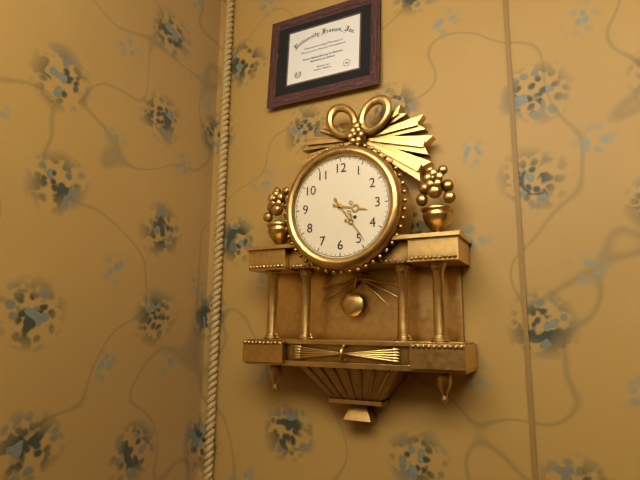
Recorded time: 3h24
